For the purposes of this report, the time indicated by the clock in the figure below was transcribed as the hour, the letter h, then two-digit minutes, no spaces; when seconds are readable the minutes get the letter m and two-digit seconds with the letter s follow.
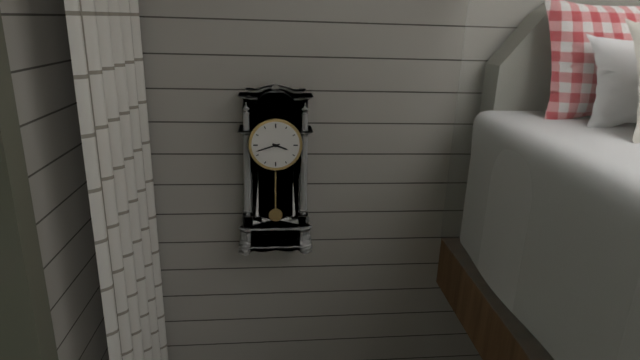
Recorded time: 3h42
